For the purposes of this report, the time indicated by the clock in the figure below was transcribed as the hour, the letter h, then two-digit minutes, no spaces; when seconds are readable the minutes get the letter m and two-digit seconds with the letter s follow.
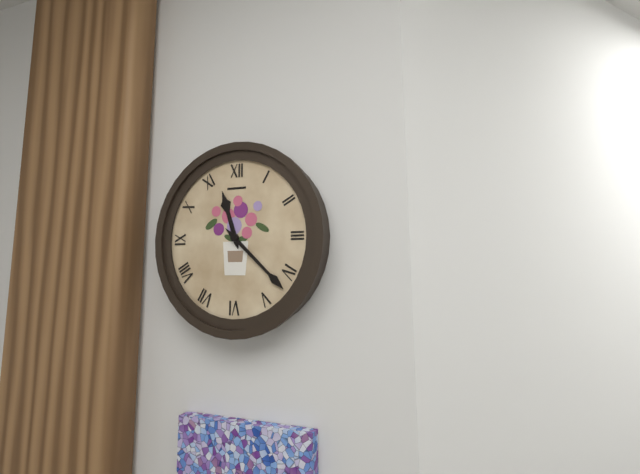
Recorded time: 11h22
